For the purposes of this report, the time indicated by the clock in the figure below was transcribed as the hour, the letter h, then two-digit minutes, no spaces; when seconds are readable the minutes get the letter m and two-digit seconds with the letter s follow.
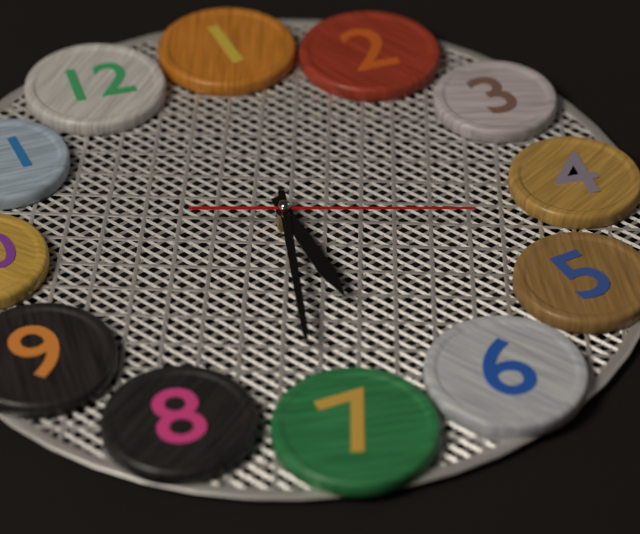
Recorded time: 6h36m22s
